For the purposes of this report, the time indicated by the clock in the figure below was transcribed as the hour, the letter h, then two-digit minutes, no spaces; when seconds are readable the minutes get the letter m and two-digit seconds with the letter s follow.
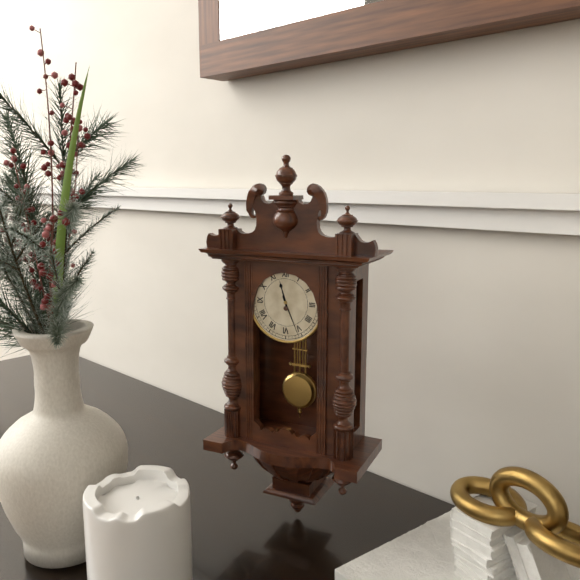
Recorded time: 11h26
